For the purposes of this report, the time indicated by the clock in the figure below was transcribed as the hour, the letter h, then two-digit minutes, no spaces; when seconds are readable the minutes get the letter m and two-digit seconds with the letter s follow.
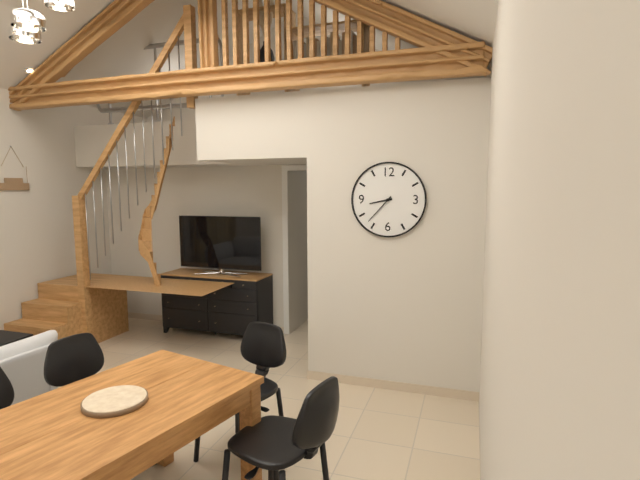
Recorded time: 8h37
